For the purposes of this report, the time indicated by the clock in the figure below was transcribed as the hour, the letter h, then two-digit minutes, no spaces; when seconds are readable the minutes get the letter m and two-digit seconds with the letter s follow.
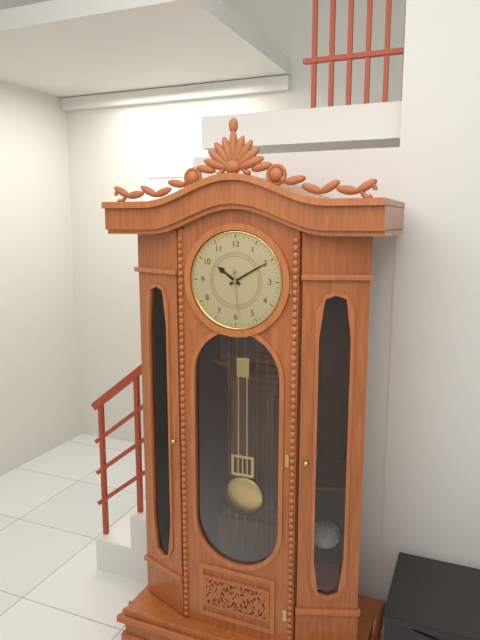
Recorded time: 10h10m29s
